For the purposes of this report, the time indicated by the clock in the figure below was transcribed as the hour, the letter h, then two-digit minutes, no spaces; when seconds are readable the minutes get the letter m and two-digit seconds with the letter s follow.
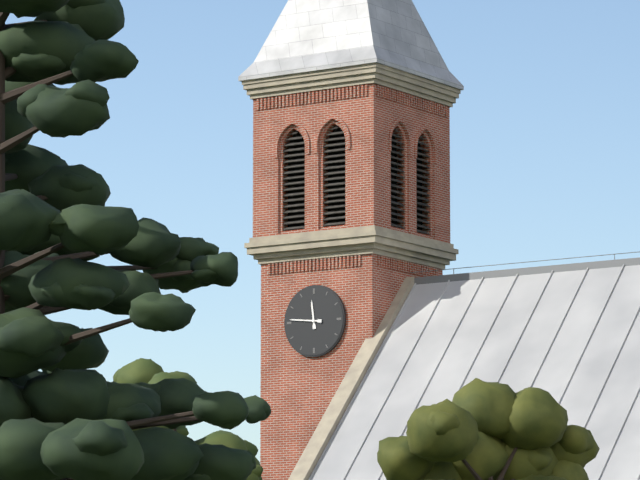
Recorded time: 11h46
